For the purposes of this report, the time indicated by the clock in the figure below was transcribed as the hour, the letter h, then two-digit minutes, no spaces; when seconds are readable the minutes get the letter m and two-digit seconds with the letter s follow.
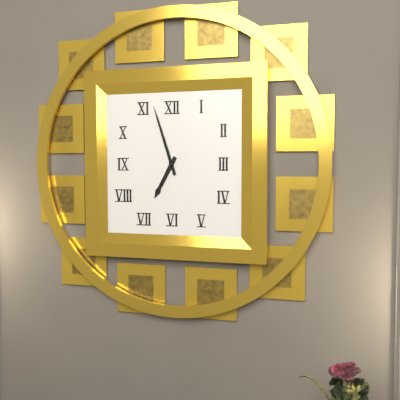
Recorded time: 6h57
